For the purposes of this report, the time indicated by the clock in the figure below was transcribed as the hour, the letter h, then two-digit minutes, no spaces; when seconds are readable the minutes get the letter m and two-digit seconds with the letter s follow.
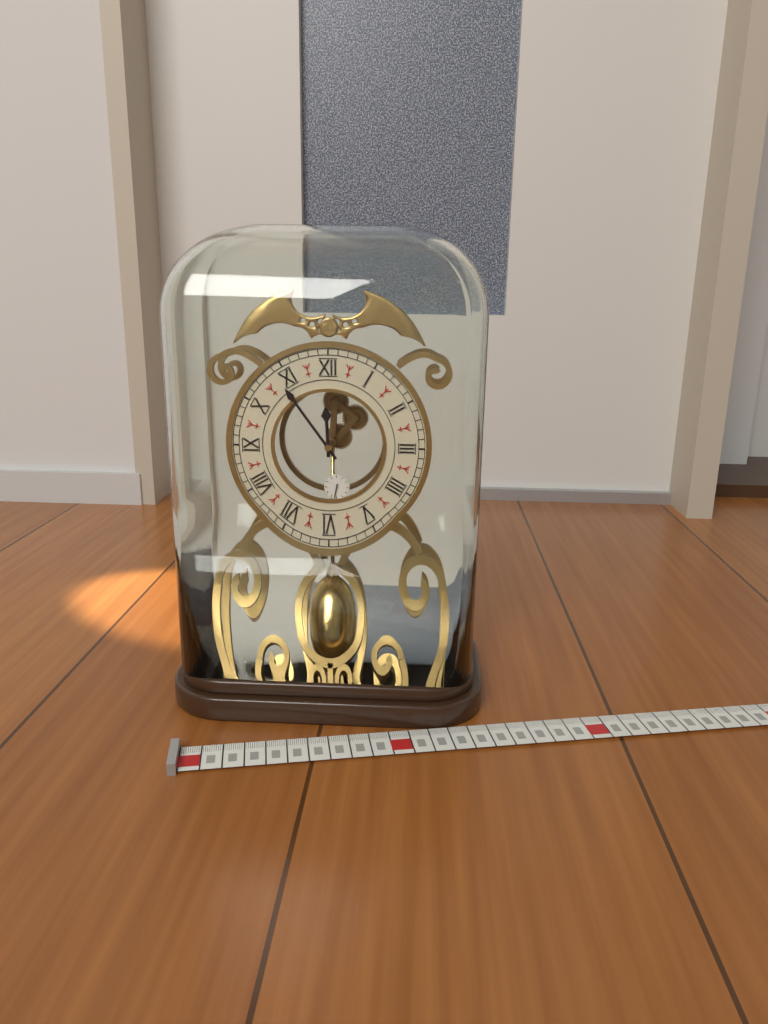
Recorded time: 11h54
